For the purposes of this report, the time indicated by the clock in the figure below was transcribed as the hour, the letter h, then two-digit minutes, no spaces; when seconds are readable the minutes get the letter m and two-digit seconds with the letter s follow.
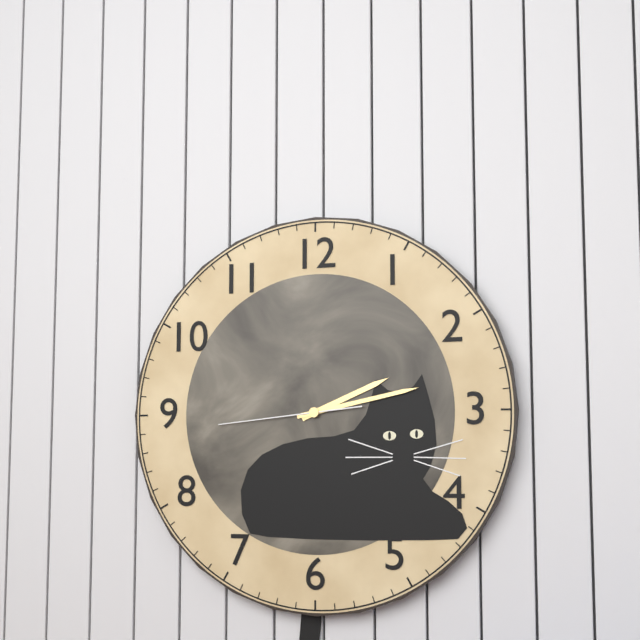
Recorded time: 2h13m44s
